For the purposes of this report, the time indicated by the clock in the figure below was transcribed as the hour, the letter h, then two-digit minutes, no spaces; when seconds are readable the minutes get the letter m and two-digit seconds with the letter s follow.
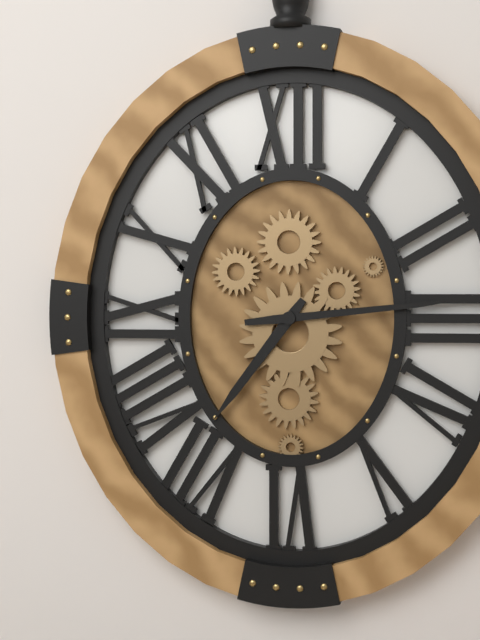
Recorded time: 7h14
